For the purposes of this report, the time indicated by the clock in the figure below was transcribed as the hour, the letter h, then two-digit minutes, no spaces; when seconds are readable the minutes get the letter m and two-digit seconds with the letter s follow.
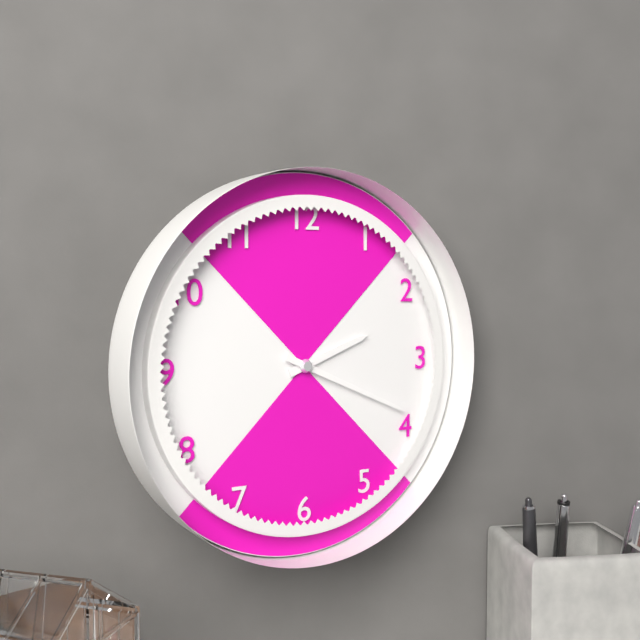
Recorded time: 2h19
